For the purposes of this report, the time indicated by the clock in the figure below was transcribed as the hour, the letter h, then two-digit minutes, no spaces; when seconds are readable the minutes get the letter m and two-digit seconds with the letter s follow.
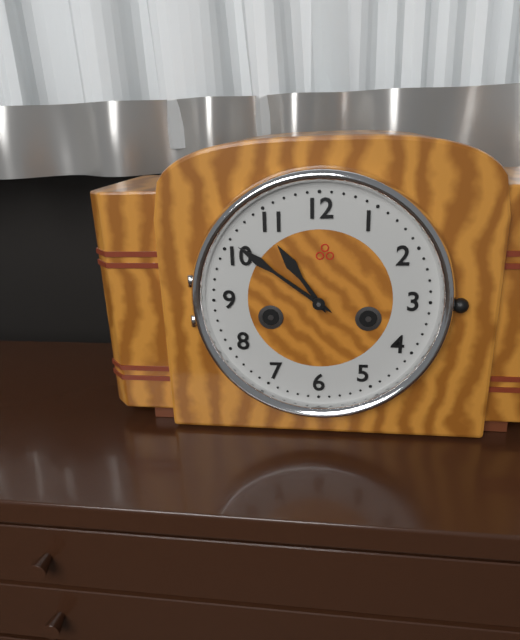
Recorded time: 10h51
